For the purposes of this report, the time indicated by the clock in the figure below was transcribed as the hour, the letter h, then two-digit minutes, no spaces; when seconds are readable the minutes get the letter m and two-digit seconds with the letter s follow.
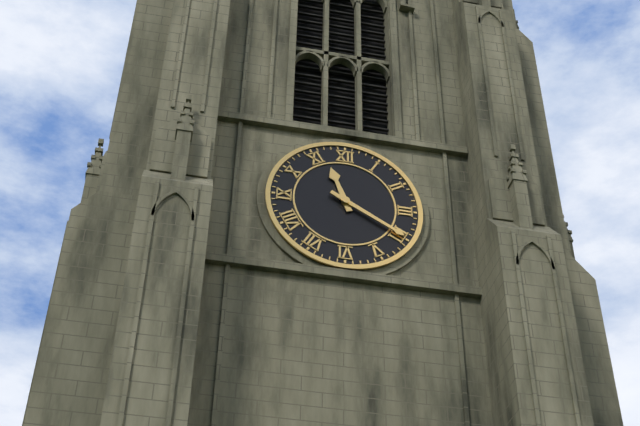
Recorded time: 11h20
